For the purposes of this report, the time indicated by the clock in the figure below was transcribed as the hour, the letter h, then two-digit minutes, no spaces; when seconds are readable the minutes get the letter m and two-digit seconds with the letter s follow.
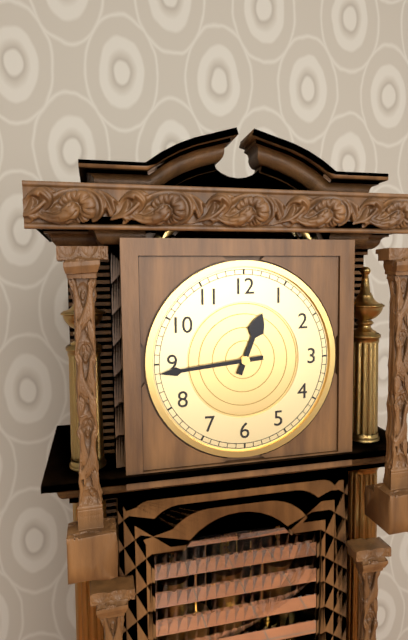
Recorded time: 12h44
